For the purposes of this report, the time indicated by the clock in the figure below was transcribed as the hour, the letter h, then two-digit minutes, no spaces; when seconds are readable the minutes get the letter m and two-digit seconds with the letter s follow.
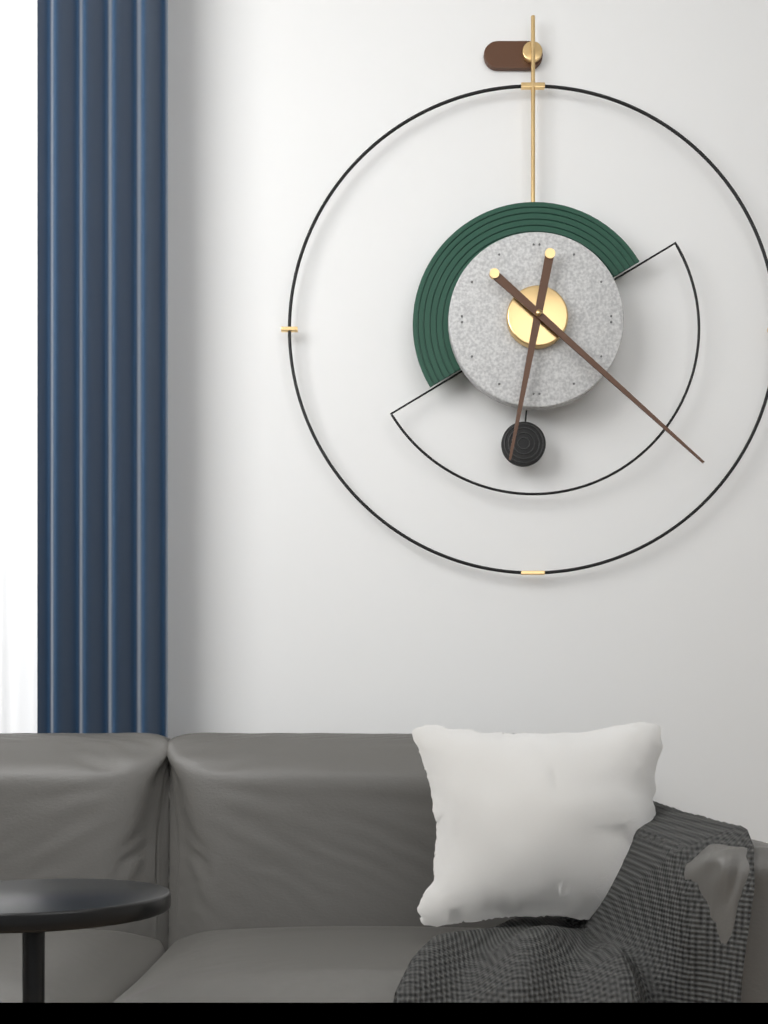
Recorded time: 6h22
